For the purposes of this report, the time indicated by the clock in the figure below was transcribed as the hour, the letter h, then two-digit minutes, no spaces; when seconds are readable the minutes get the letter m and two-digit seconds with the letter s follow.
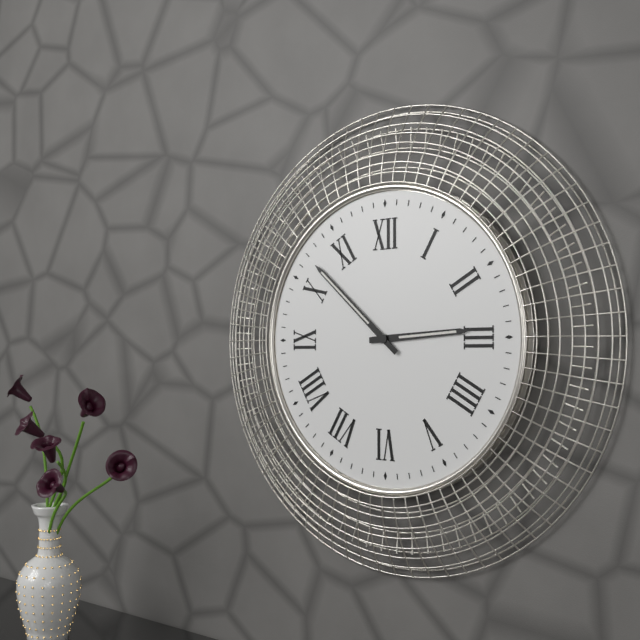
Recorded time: 2h52
